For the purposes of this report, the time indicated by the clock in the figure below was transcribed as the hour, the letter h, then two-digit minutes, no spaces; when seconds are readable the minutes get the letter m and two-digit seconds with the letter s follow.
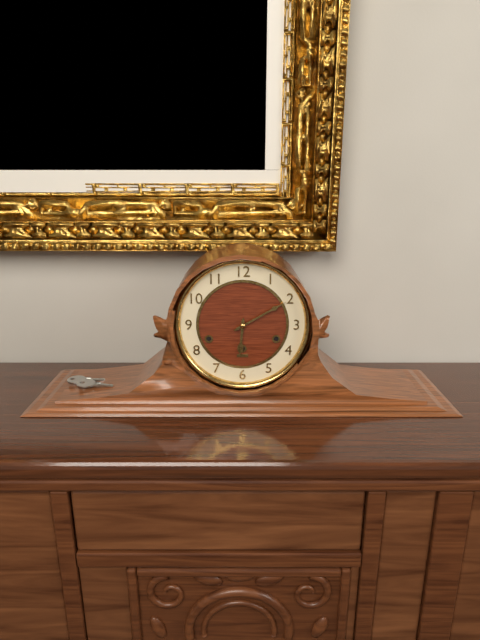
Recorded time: 6h10
